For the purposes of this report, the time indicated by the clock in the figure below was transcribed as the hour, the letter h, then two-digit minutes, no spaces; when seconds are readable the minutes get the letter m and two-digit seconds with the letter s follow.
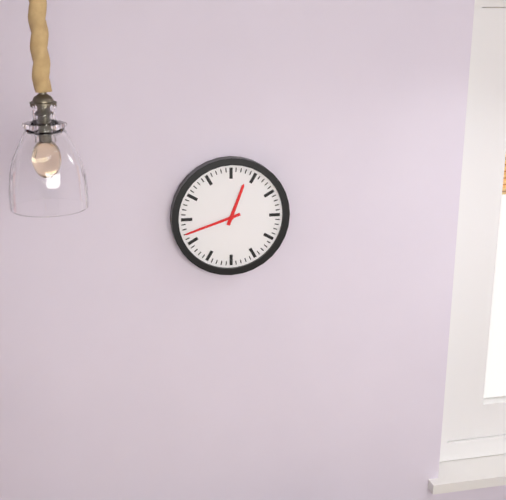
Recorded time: 12h42
